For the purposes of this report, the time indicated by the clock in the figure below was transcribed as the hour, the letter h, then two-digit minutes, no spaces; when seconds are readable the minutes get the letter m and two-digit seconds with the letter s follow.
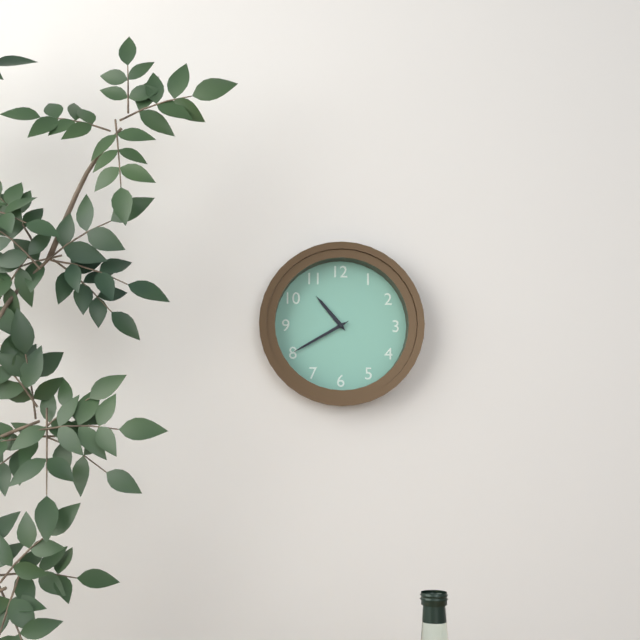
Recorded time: 10h40
